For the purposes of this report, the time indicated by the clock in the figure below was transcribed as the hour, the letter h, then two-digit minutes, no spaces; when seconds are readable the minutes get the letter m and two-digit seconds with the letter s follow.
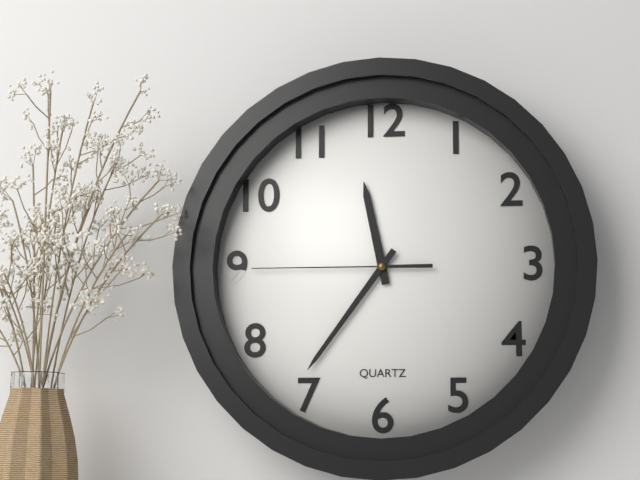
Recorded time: 11h36m45s
